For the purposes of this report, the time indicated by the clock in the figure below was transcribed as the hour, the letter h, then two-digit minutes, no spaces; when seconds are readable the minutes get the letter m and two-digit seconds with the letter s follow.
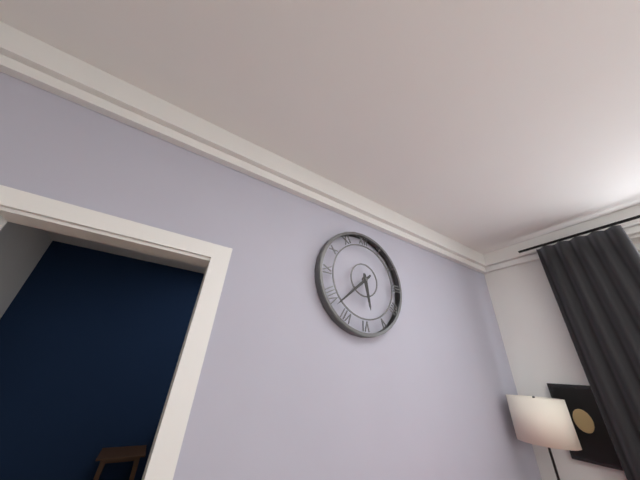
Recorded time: 5h38
